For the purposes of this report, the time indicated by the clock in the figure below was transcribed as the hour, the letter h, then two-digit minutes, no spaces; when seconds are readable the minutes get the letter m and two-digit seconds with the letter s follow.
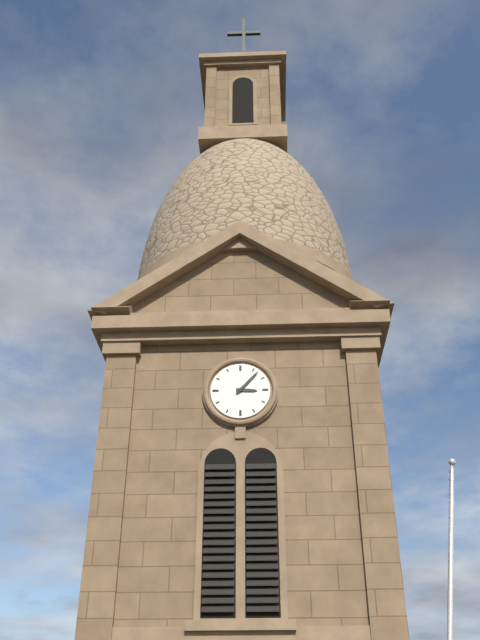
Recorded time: 3h07
